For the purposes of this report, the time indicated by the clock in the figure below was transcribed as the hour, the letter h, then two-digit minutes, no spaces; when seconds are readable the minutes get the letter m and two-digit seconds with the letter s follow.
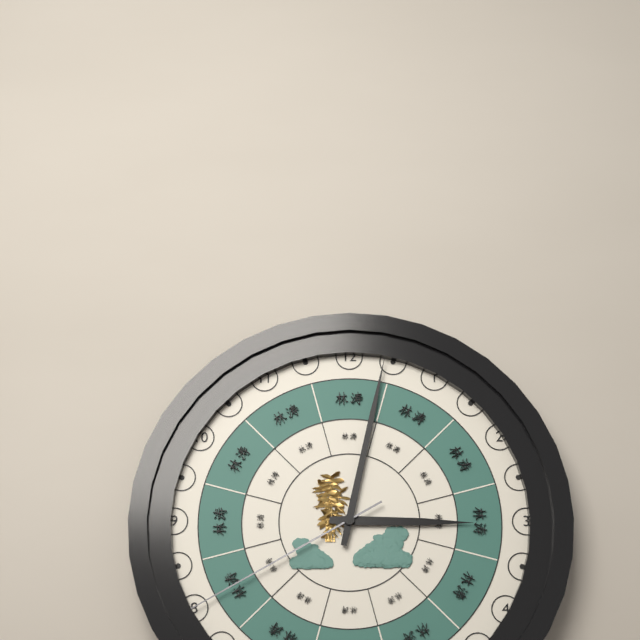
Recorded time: 3h02m40s
